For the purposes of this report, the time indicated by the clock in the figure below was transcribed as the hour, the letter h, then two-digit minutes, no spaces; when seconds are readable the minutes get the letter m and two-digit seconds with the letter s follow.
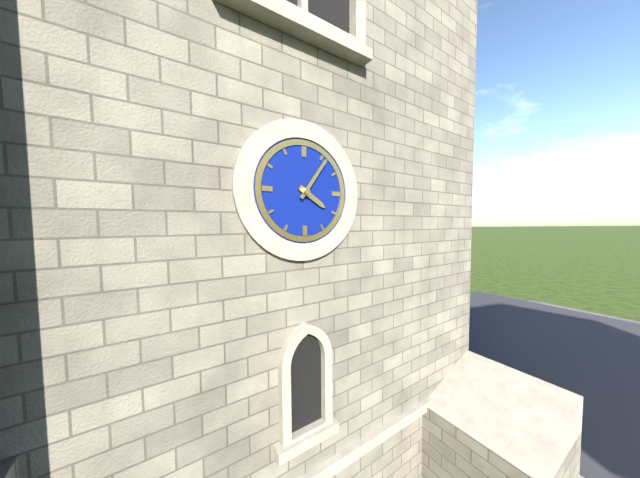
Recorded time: 4h06
